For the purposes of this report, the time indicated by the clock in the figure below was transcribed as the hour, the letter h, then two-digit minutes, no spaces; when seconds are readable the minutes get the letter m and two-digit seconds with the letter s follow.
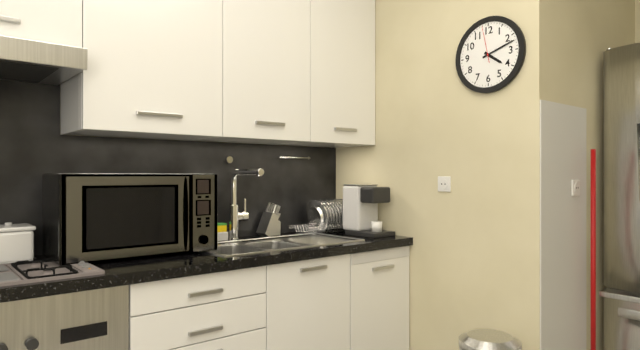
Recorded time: 4h12
